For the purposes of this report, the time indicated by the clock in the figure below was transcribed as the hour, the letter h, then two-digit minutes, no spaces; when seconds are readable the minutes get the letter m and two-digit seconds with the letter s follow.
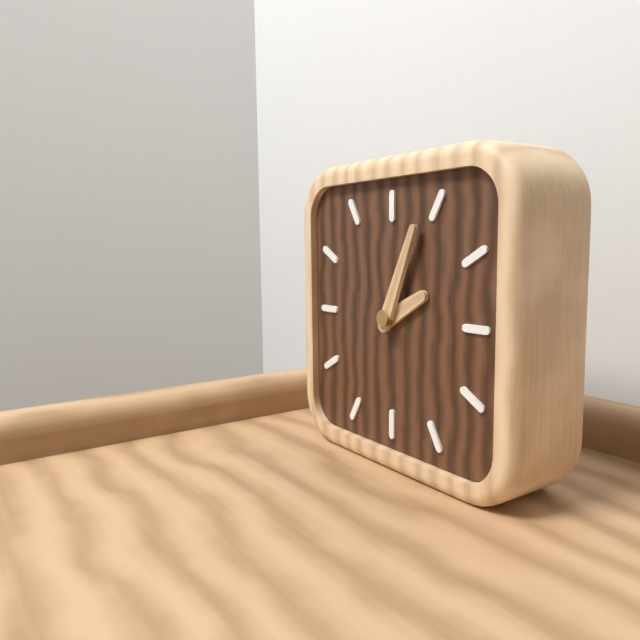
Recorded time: 2h04
